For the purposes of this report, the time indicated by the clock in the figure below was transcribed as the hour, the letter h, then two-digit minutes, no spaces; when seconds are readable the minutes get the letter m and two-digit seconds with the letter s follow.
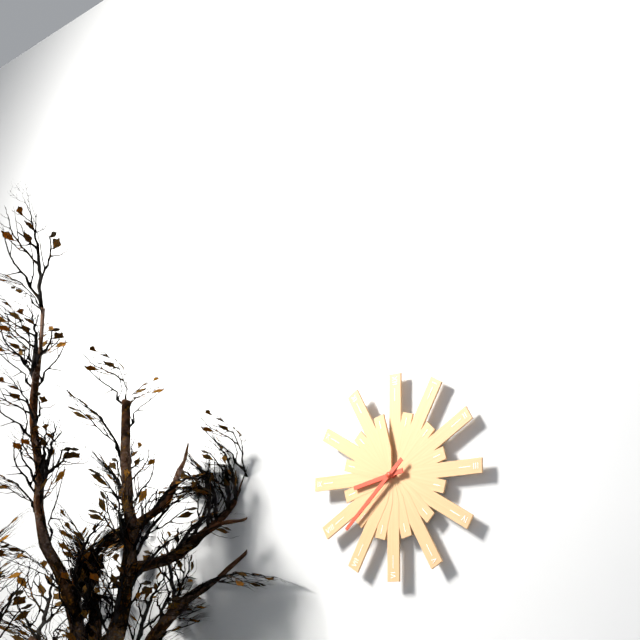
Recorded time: 8h38
